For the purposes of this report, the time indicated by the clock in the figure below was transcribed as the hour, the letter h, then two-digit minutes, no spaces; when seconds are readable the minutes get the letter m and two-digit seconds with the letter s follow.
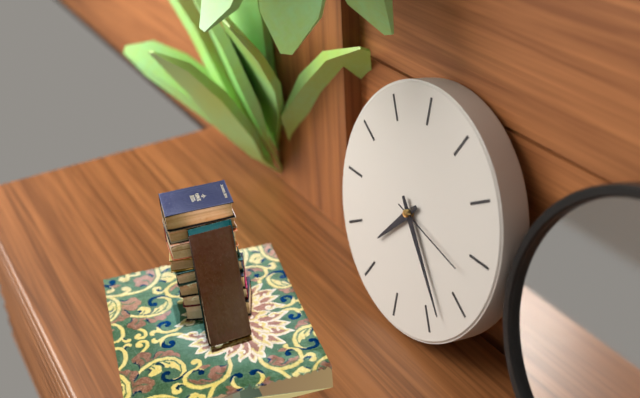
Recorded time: 7h23m17s
